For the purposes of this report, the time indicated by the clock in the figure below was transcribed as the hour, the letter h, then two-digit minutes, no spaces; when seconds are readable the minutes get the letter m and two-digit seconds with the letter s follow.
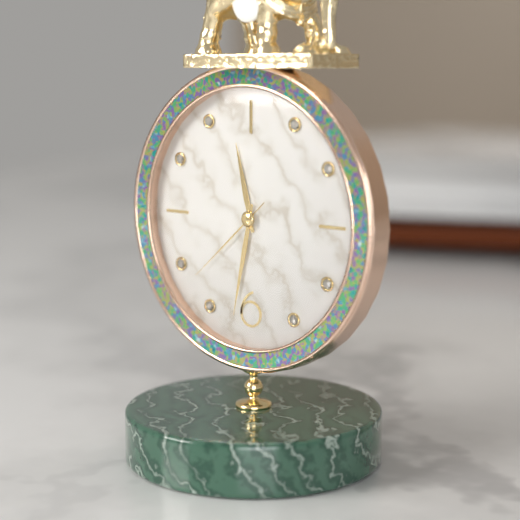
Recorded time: 11h32m38s
